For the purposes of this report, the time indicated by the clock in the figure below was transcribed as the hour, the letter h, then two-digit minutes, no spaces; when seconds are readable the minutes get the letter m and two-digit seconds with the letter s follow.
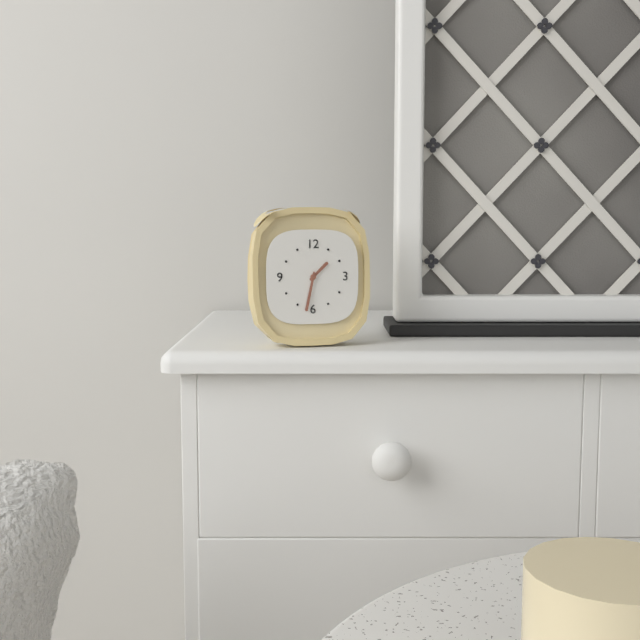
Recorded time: 1h32
